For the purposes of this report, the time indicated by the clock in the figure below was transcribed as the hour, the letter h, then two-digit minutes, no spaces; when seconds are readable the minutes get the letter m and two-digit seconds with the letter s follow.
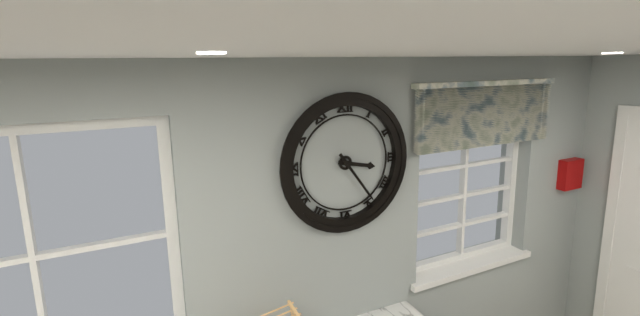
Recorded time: 3h24
